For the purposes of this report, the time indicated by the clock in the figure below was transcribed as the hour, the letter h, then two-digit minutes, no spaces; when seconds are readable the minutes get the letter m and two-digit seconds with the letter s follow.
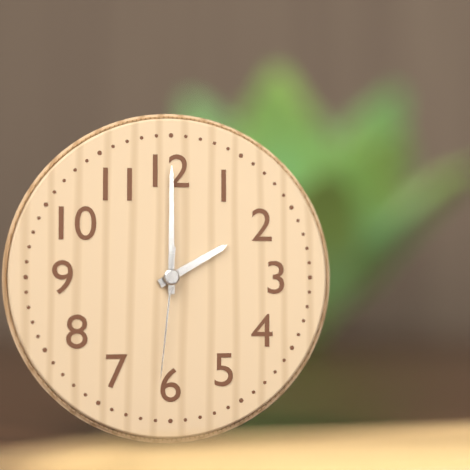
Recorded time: 2h00m31s
